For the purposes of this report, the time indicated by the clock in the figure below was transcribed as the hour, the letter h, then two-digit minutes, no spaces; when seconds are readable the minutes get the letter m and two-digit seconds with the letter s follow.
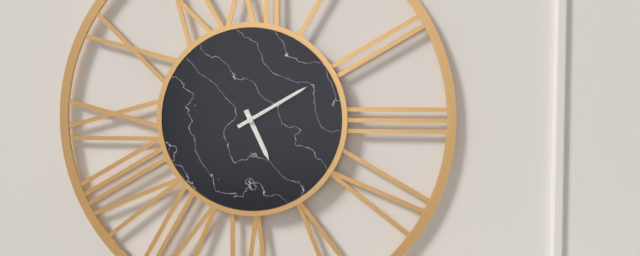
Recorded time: 5h10
